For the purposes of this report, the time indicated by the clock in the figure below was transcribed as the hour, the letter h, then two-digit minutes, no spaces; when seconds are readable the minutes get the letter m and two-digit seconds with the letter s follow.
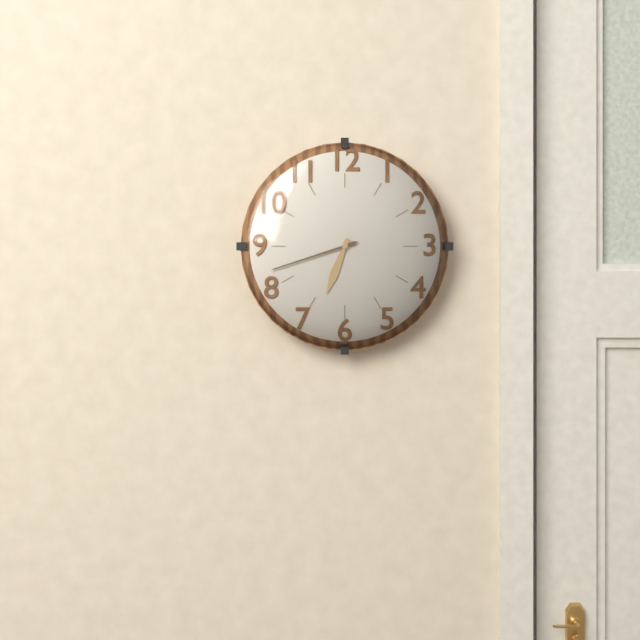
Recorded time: 6h42
